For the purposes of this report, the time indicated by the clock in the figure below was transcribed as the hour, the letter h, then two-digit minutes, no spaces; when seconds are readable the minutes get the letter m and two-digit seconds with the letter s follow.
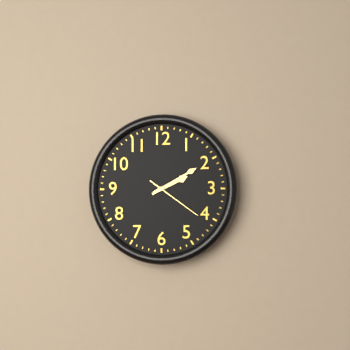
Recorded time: 2h10m21s
